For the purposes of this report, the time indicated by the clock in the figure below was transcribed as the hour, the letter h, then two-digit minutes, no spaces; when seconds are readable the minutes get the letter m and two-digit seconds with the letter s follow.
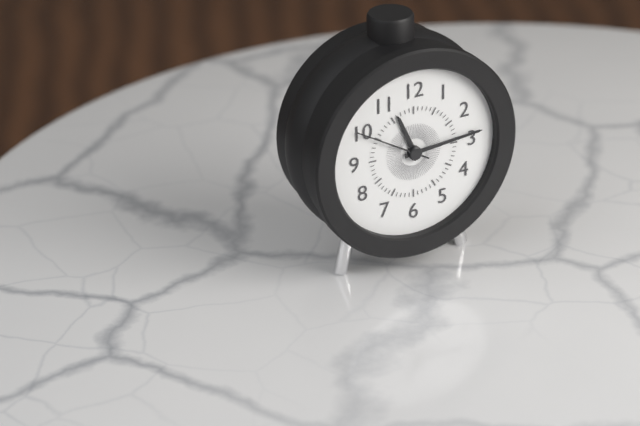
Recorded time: 11h14m50s
